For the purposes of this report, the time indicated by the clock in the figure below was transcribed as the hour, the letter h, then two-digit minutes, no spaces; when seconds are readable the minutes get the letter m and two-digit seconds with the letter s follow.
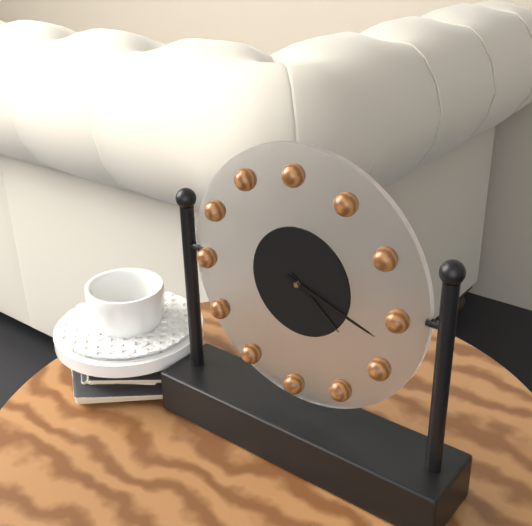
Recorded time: 4h18
